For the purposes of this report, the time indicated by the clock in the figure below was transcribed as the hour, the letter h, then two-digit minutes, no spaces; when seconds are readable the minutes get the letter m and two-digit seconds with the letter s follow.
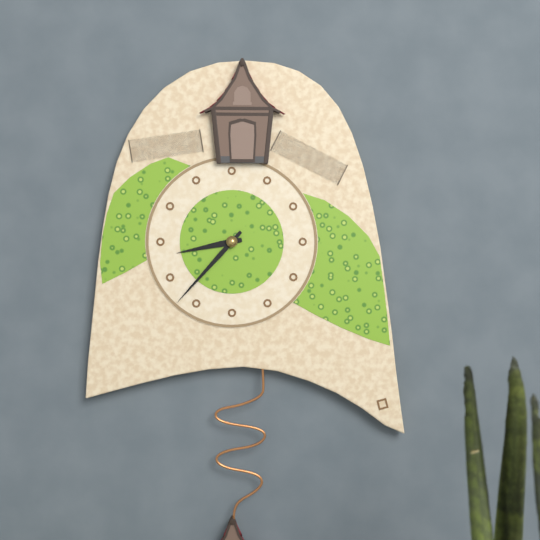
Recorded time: 8h37
